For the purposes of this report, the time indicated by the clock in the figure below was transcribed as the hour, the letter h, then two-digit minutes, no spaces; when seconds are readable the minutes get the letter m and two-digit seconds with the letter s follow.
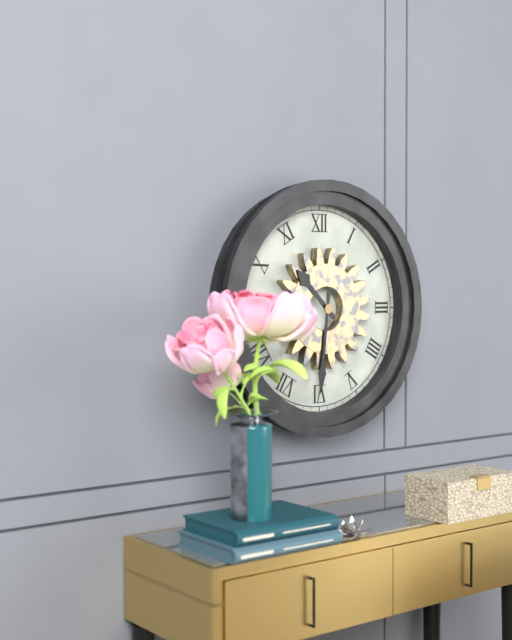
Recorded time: 10h31
